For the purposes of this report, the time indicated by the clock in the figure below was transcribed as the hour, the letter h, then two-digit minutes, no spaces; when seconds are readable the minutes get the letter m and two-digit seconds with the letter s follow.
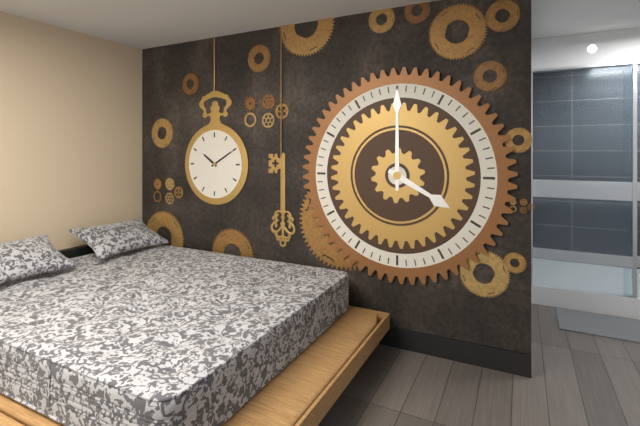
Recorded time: 4h00
